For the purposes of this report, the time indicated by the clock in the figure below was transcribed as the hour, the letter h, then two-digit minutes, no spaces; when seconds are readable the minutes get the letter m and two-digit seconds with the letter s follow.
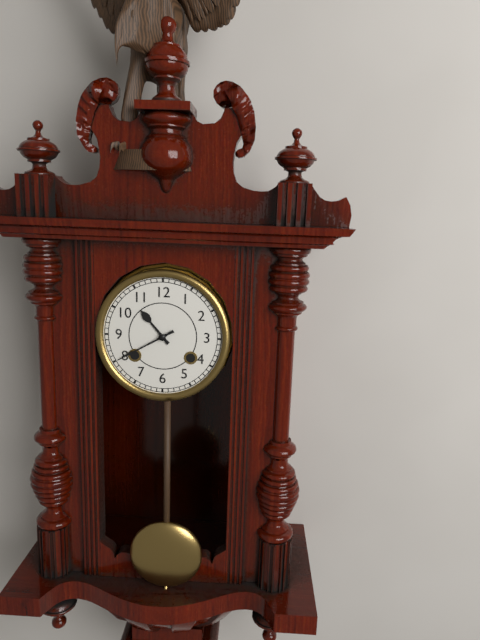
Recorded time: 10h40
